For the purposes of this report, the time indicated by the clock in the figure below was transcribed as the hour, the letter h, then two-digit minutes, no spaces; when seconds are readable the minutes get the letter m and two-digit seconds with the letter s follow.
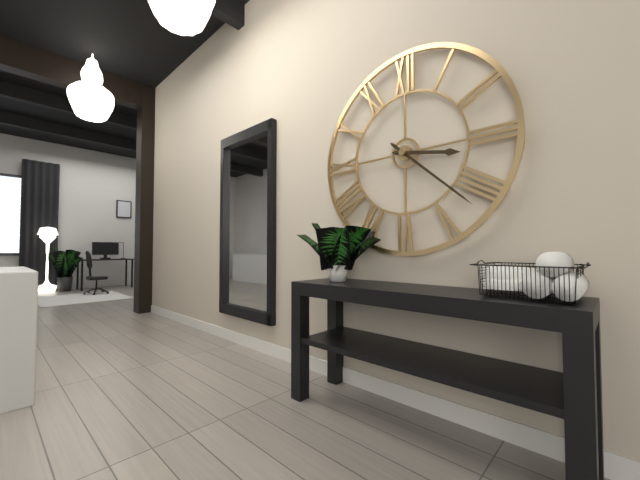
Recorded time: 3h22
